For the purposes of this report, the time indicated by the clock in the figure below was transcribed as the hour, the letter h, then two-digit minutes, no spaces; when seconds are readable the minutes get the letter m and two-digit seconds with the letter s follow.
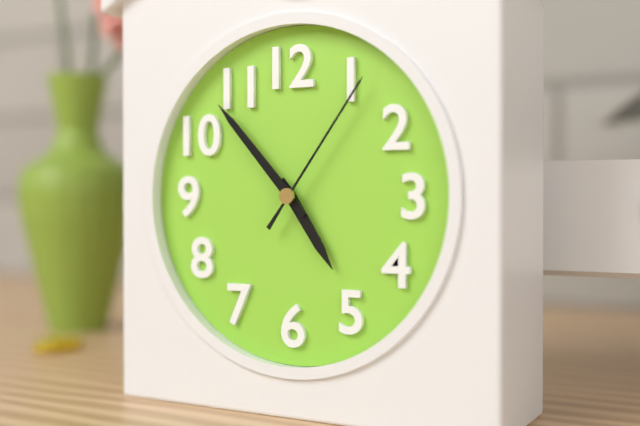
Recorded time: 4h53m06s
